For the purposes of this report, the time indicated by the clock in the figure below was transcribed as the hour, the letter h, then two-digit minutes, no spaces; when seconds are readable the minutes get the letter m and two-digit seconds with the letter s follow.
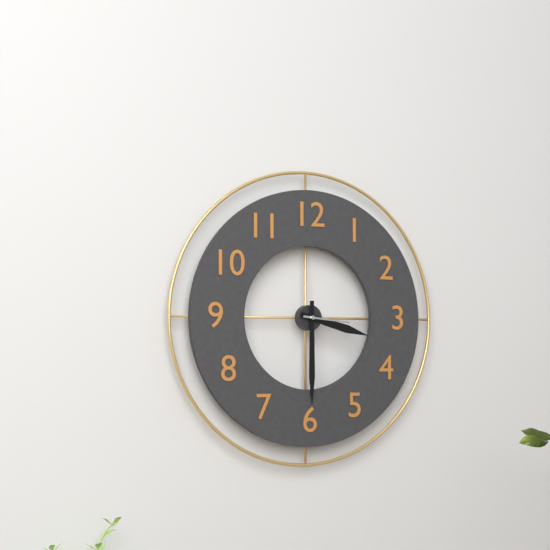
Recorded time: 3h30
